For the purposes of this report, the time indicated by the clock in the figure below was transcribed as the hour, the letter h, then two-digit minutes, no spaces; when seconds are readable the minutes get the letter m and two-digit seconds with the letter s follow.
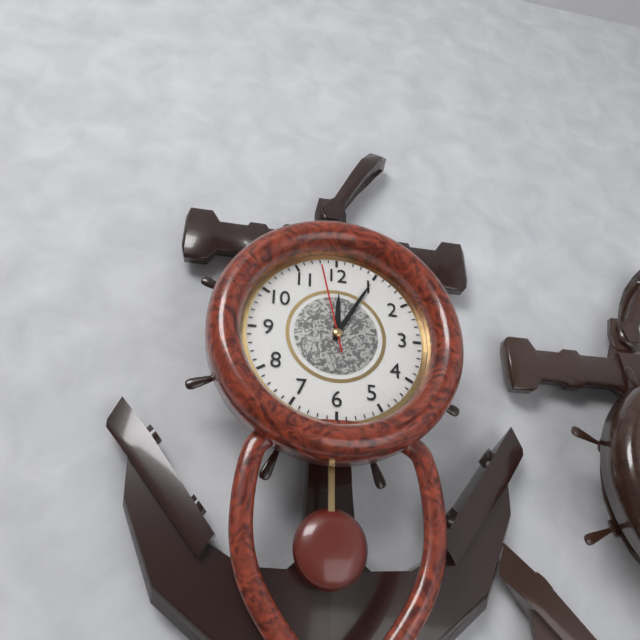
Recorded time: 12h05m58s
